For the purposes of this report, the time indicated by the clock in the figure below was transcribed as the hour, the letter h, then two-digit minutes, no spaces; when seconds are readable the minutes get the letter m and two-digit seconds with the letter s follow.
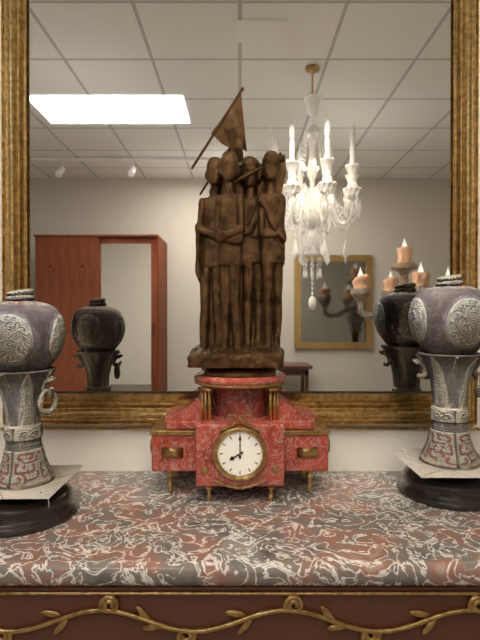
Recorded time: 8h00
